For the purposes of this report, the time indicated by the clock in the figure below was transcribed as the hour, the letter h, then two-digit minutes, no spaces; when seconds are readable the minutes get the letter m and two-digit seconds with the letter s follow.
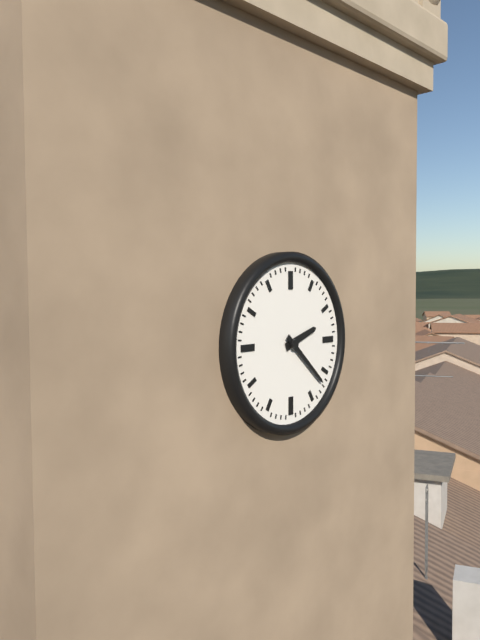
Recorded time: 2h22
